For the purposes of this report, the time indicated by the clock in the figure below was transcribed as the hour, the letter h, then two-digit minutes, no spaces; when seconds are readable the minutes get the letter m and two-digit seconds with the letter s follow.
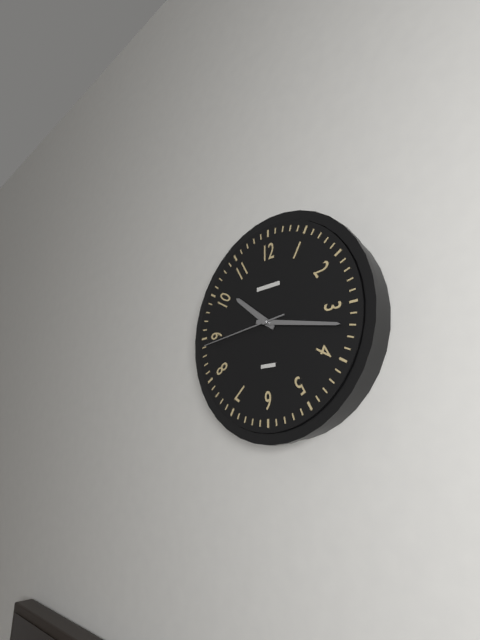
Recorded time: 10h17m44s
